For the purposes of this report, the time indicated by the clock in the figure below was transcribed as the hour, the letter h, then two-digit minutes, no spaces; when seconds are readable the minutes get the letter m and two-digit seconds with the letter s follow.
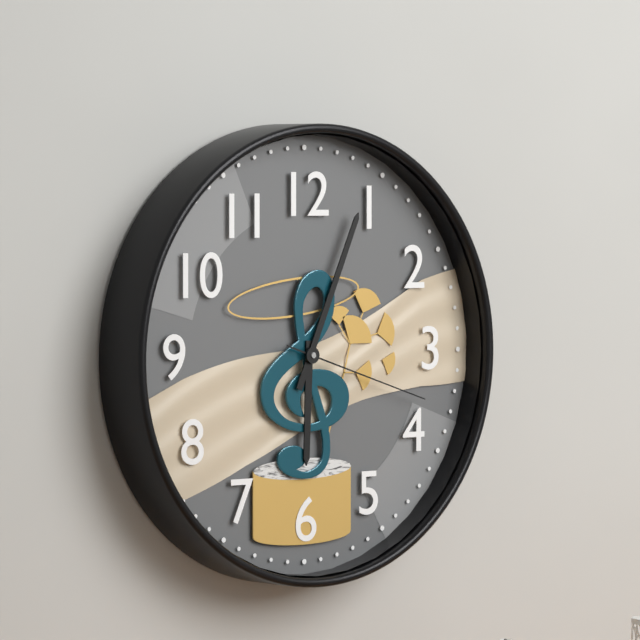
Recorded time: 6h04m18s
